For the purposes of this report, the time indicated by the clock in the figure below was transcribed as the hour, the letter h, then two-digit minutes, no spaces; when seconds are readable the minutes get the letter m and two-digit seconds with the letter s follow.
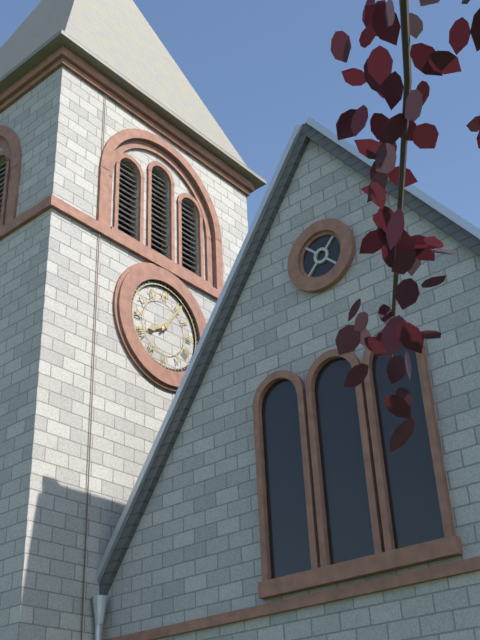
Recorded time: 8h06
